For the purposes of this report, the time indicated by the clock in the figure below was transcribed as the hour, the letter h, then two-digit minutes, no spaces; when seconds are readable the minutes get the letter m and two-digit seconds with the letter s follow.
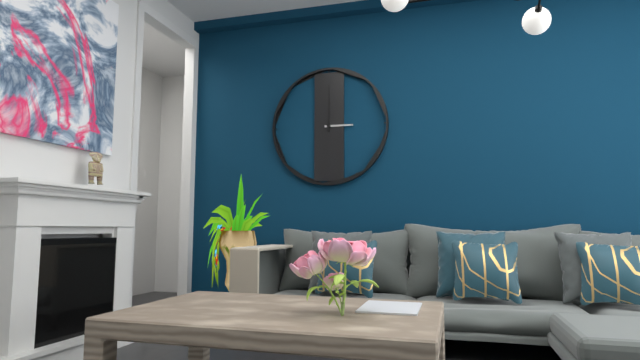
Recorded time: 3h00
